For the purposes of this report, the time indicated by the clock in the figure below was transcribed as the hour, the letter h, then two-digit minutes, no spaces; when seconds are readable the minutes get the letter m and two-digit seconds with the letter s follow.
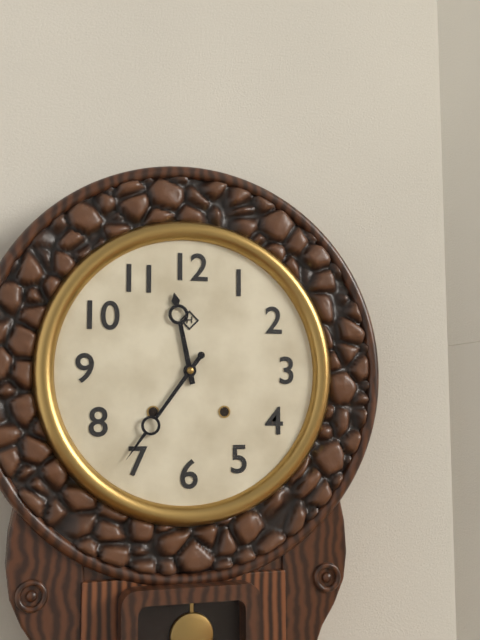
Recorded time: 11h36
